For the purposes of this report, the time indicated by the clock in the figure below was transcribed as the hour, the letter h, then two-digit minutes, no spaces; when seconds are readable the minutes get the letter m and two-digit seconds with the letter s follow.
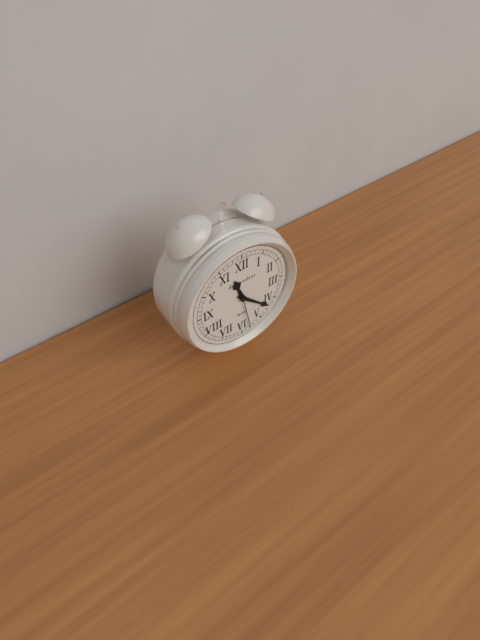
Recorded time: 11h22
